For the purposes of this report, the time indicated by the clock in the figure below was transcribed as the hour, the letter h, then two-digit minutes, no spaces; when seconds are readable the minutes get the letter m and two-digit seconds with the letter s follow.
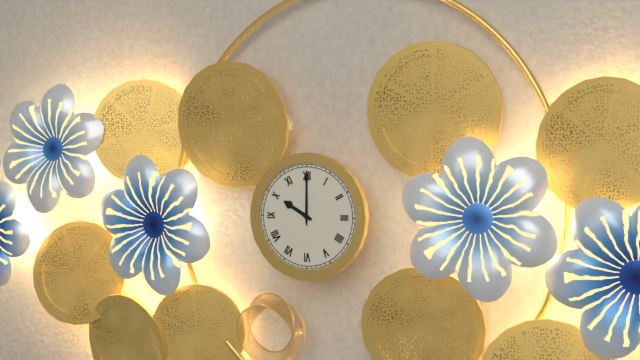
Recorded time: 10h00
